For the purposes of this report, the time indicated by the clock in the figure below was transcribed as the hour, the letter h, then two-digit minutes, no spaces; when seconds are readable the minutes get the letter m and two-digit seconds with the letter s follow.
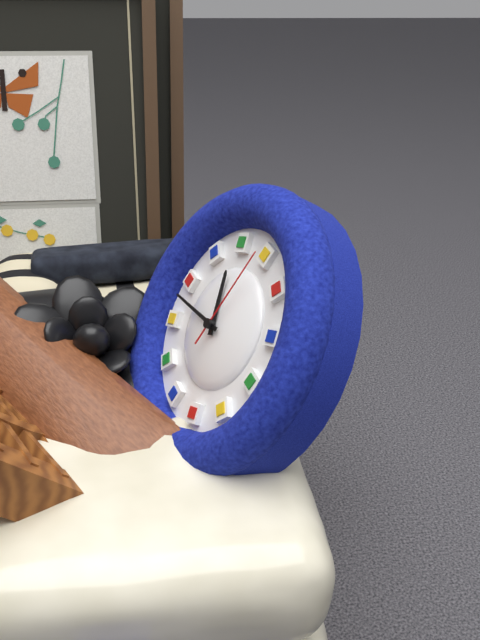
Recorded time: 12h53m10s
